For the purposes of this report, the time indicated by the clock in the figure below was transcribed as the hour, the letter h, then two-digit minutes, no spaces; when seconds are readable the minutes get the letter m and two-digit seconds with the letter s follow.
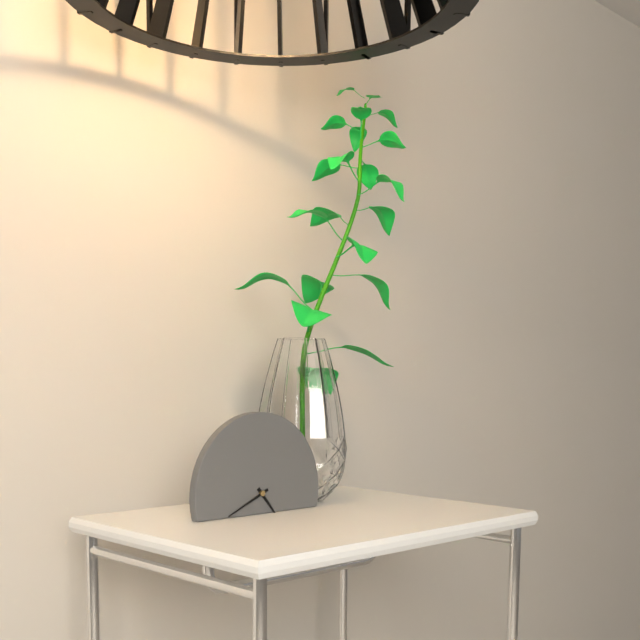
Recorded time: 4h41
